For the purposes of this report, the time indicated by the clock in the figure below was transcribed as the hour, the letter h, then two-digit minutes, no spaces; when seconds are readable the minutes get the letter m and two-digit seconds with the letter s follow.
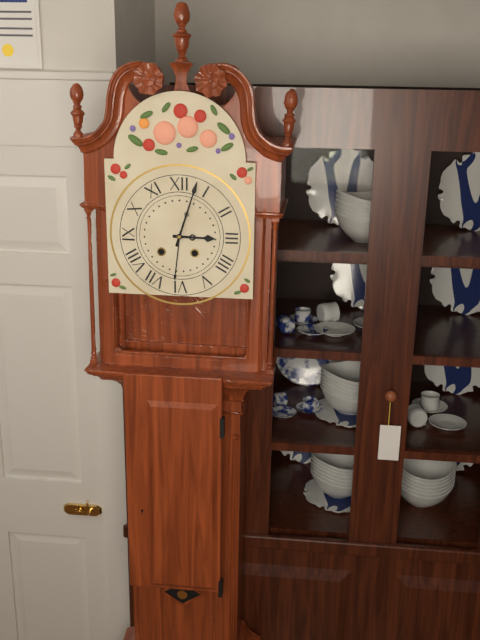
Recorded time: 3h03
